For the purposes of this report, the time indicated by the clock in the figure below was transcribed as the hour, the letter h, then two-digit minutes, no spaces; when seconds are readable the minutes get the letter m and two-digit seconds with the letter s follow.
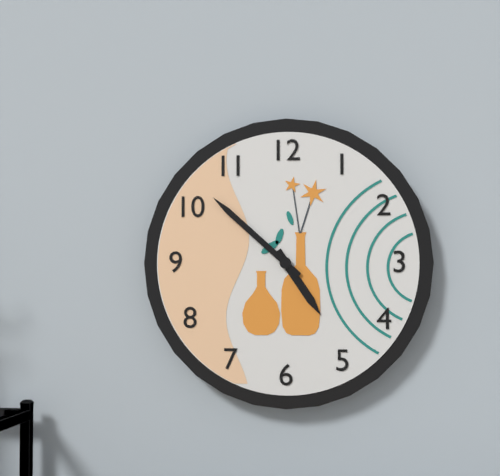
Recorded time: 4h52
